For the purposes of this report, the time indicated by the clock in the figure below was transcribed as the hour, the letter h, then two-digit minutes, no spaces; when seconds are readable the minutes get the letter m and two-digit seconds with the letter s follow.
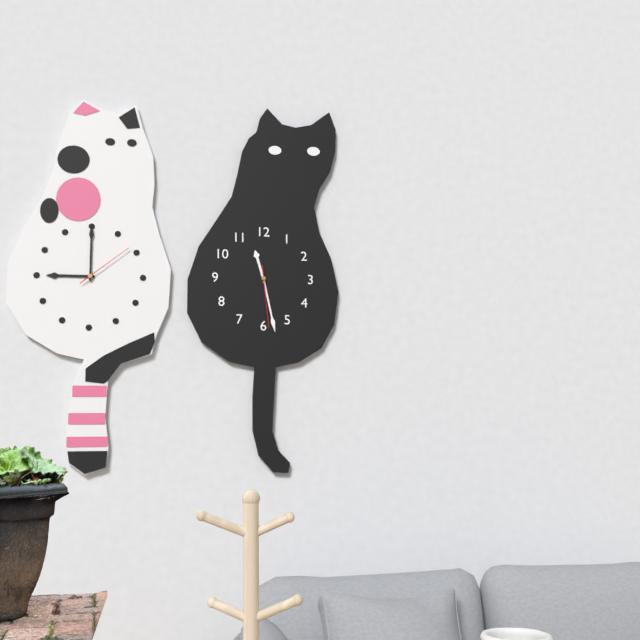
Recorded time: 11h28m29s
